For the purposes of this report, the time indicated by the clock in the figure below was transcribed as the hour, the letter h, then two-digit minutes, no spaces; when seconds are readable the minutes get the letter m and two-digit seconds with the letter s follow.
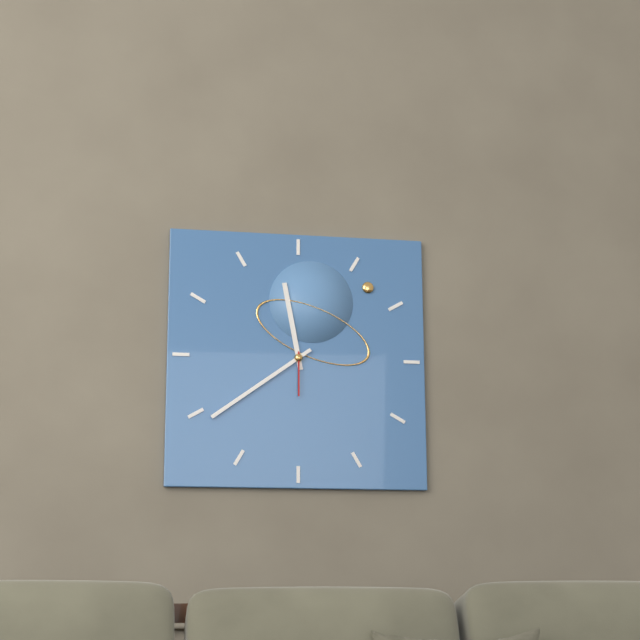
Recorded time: 11h39
